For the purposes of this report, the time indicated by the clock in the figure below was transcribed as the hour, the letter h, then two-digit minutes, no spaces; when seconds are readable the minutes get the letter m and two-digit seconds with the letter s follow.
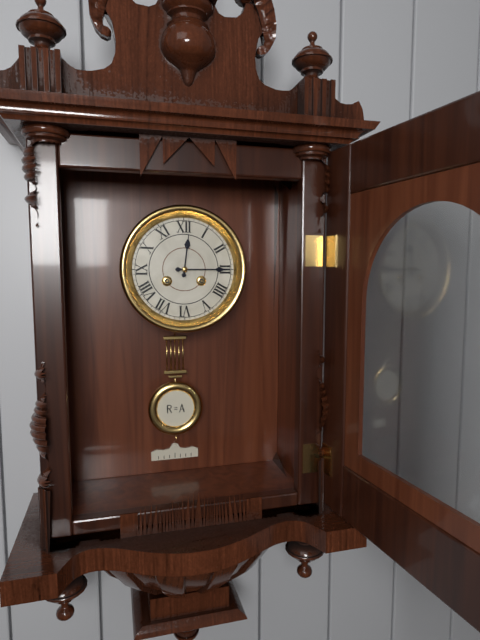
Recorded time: 12h15
